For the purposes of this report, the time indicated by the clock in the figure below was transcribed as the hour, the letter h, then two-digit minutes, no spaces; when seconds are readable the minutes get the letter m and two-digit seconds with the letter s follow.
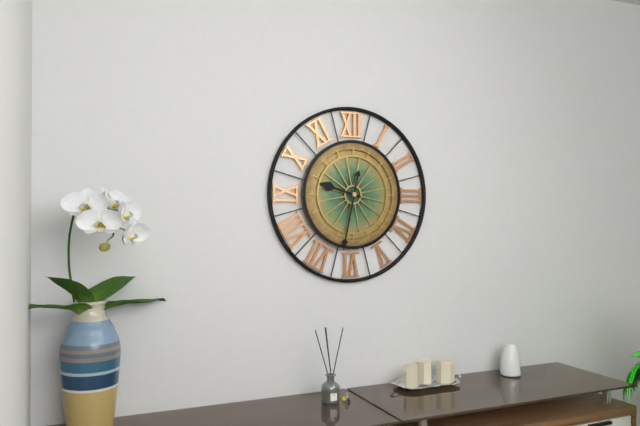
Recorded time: 9h32
